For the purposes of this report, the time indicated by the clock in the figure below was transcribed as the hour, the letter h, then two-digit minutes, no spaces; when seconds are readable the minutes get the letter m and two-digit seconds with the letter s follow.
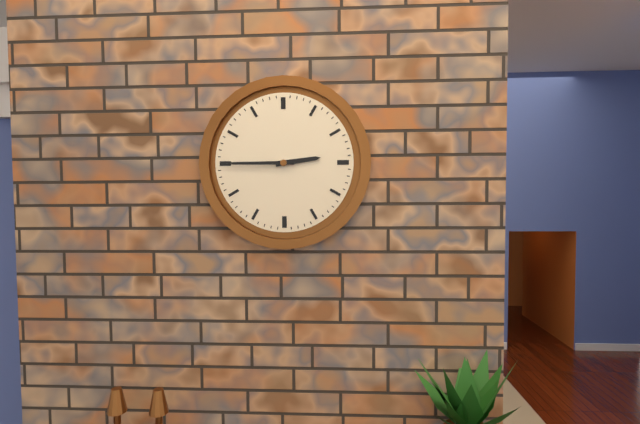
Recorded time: 2h45
